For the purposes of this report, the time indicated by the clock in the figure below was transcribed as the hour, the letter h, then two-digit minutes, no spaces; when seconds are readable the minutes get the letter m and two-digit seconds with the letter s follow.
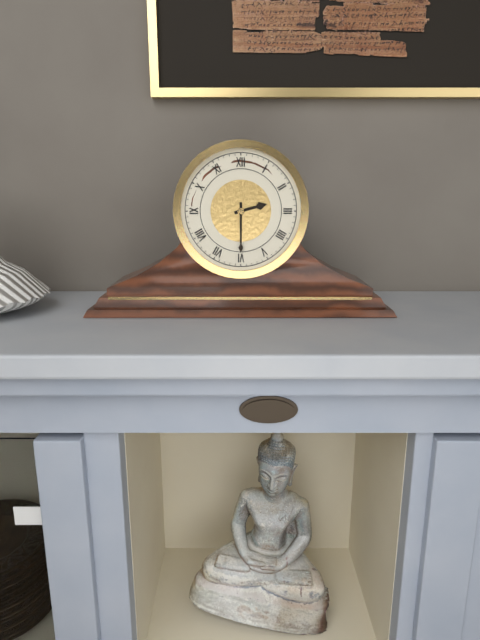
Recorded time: 2h30
